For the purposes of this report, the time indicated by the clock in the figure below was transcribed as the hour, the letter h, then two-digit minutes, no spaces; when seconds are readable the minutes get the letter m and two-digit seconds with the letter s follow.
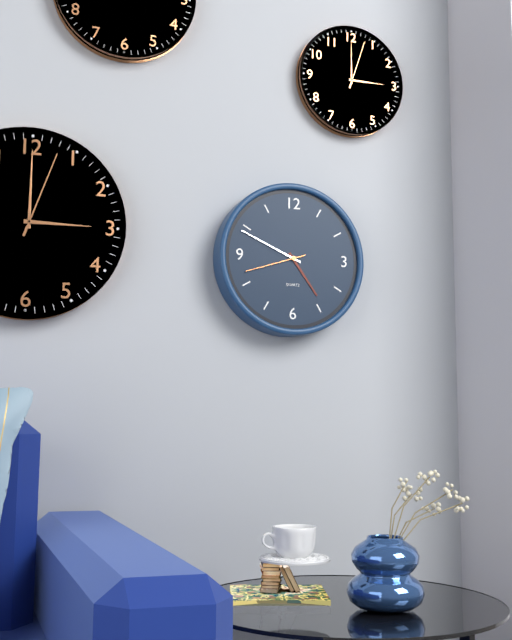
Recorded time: 4h49m42s
